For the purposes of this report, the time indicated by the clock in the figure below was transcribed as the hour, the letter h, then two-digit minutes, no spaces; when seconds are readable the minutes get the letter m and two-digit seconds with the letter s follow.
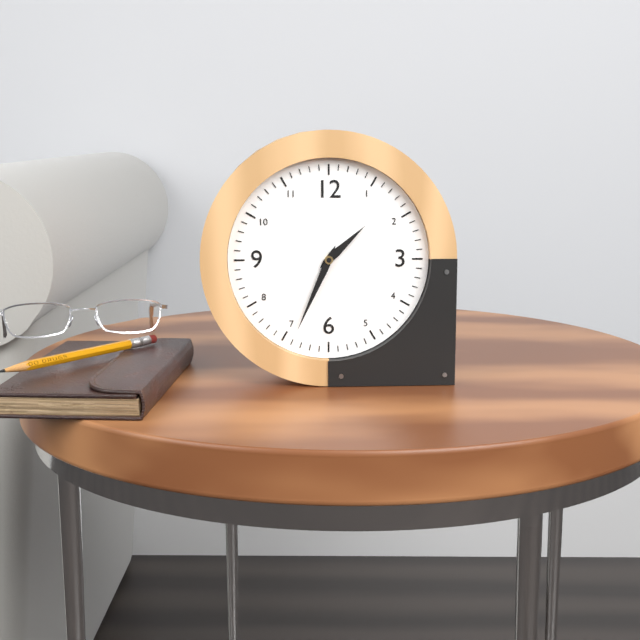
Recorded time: 1h34
